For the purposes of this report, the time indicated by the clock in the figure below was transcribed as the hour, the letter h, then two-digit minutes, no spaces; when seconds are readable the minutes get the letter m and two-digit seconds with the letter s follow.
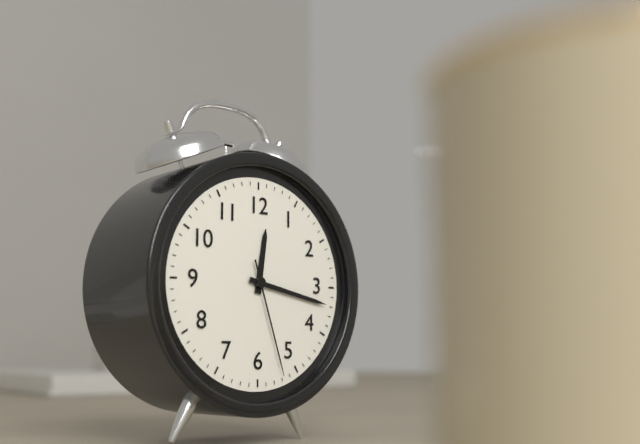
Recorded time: 12h17m27s
